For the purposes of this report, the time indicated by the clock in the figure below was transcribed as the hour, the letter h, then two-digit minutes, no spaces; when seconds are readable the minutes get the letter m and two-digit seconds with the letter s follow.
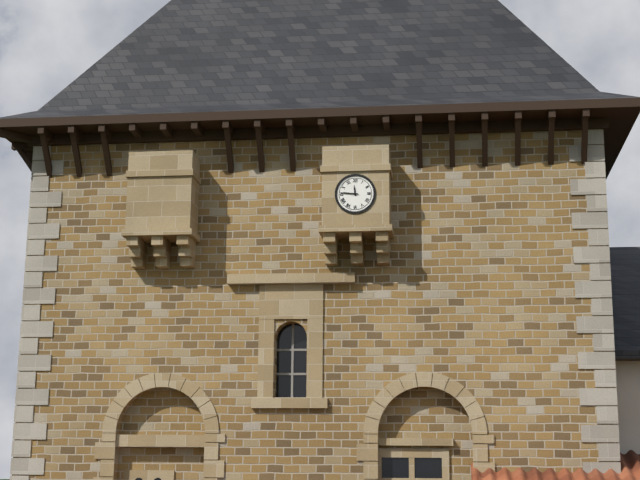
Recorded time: 11h46
